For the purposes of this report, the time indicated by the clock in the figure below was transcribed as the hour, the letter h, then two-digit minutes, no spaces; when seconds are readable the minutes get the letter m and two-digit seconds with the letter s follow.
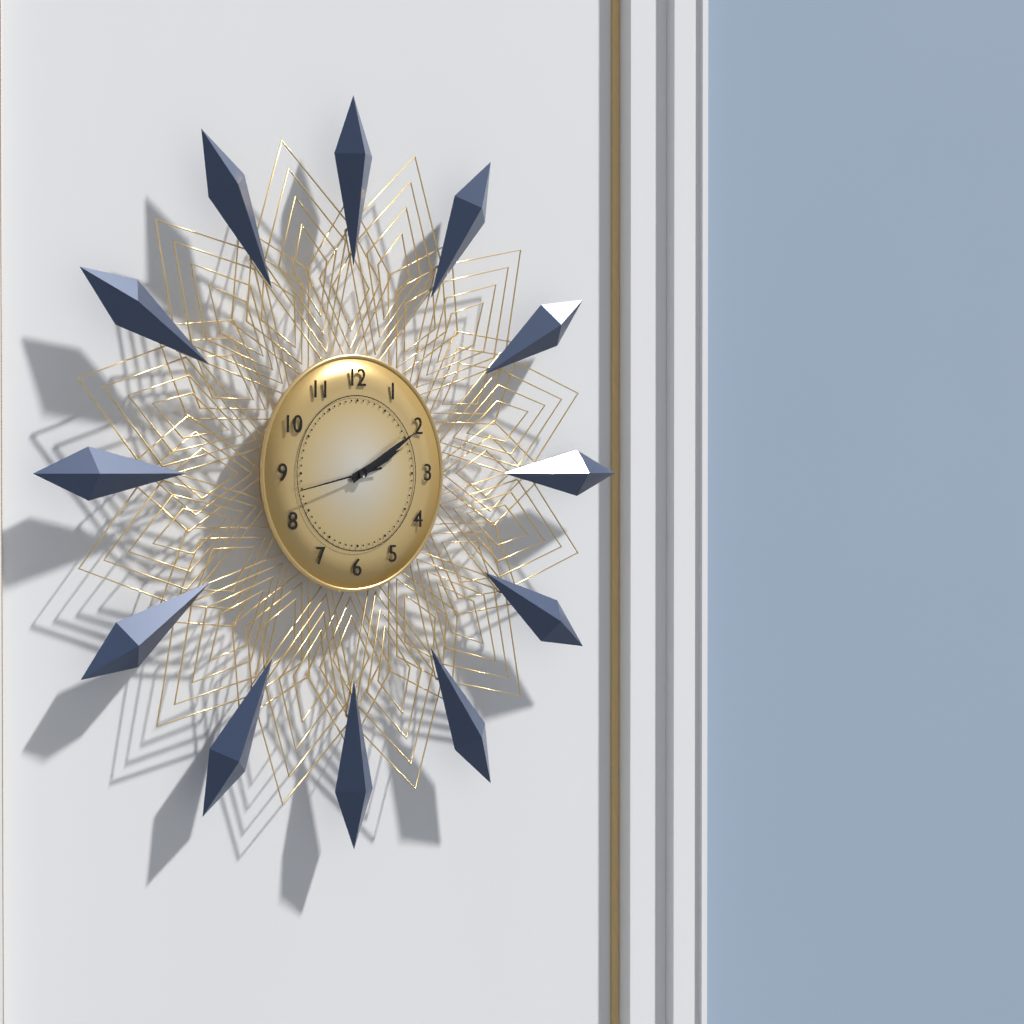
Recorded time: 2h10m43s
